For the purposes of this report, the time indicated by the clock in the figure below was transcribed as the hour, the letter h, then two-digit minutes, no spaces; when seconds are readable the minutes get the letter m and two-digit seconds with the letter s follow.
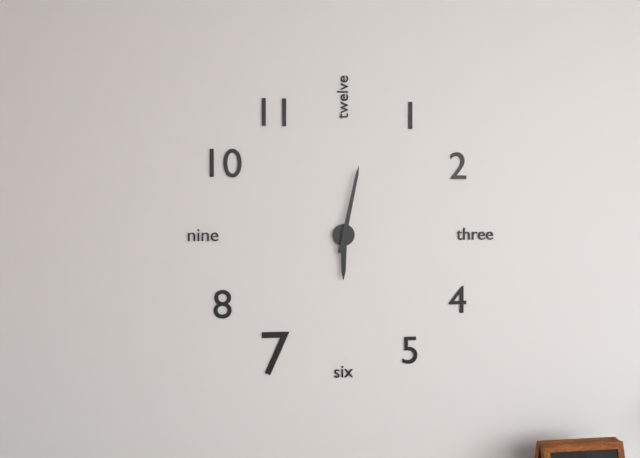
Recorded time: 6h02
